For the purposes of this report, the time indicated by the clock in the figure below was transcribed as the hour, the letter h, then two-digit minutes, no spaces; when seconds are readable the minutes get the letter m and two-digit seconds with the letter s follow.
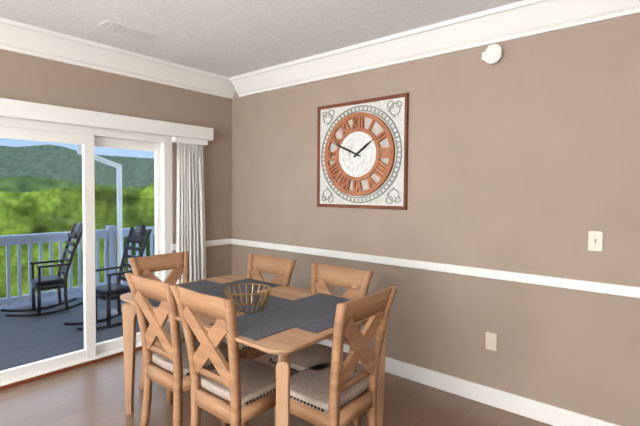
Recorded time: 1h49
